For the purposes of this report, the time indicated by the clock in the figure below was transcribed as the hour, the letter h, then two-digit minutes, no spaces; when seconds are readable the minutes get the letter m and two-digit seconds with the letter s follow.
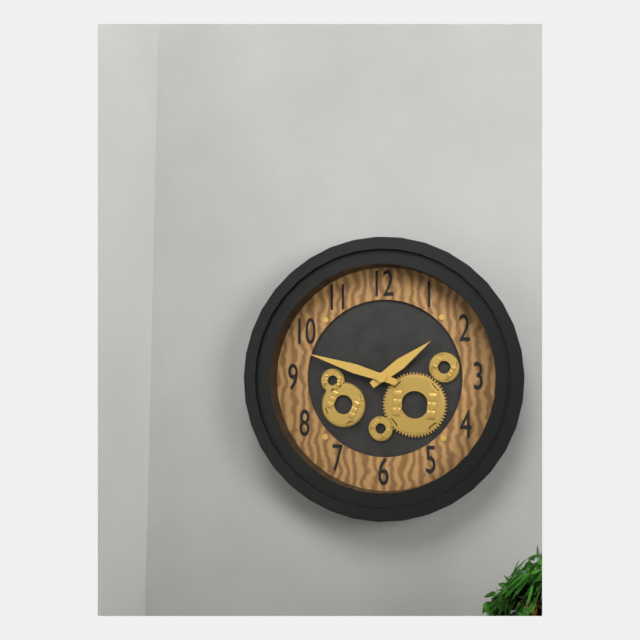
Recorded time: 1h48
